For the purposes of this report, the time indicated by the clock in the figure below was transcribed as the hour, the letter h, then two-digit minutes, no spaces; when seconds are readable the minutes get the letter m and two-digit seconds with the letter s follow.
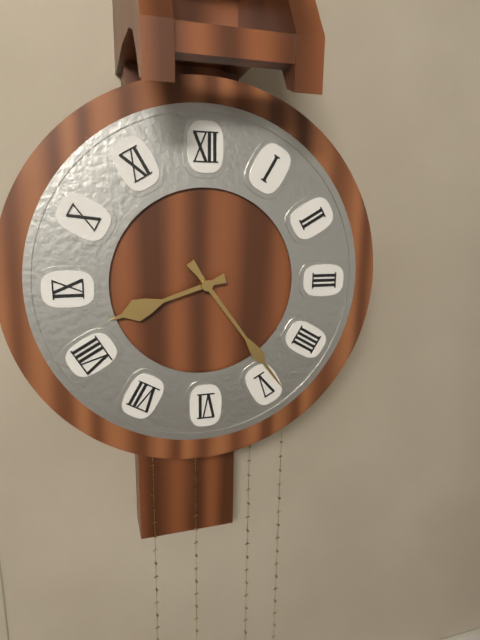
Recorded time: 8h24
